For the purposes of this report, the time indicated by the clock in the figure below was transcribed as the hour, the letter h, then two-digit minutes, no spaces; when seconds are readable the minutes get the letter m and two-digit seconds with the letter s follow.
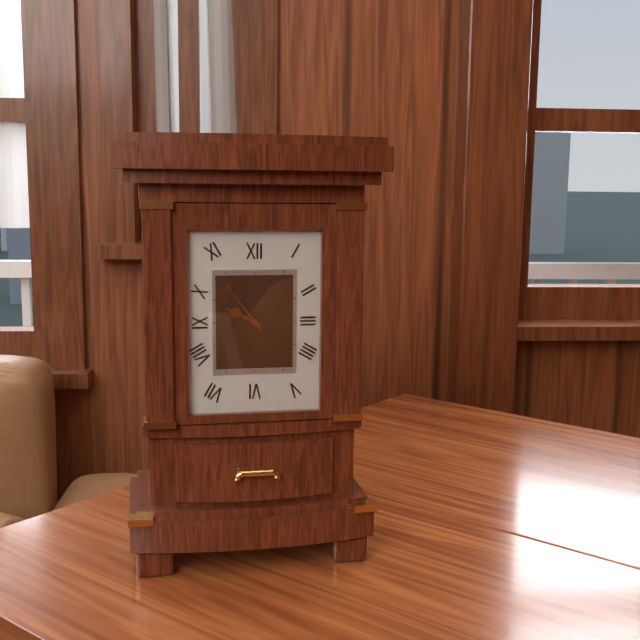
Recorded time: 9h54
